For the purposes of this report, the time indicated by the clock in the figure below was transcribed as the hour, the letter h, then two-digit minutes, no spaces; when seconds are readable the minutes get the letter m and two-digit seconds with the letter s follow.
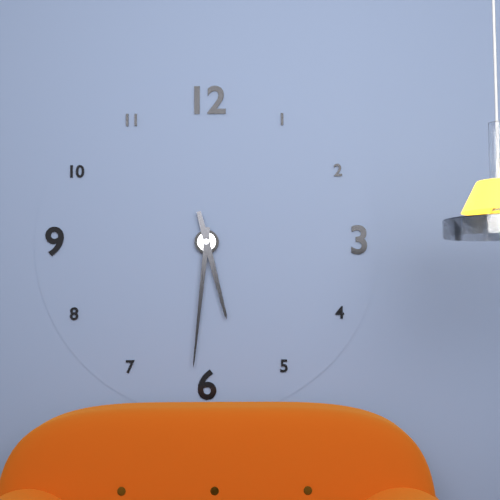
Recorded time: 5h31
